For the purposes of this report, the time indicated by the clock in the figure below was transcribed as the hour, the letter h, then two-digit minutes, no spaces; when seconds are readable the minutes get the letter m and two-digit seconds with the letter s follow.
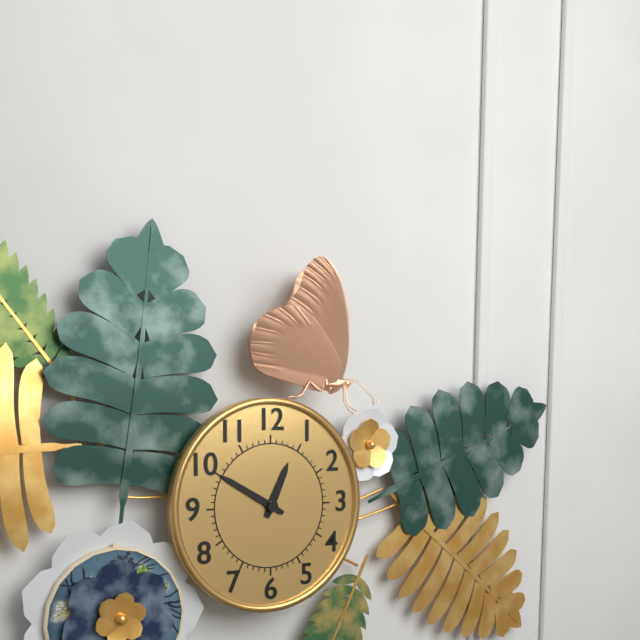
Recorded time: 12h50
